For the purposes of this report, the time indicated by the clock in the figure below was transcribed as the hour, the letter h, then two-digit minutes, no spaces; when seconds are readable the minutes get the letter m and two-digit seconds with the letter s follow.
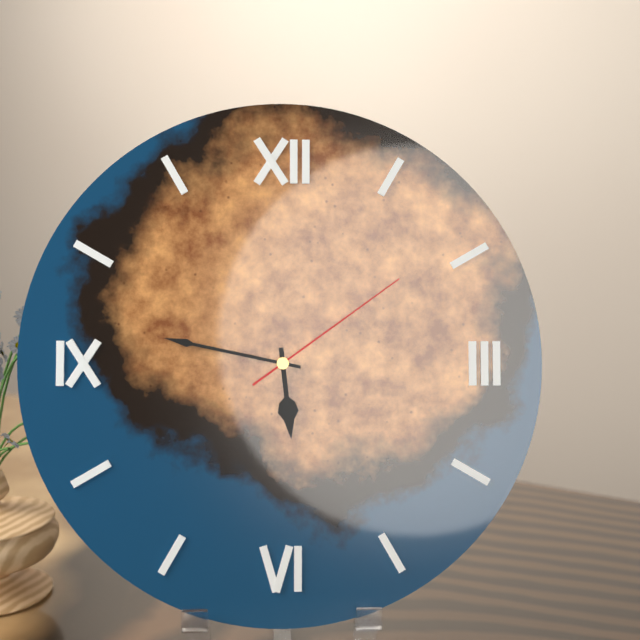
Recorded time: 5h47m09s
